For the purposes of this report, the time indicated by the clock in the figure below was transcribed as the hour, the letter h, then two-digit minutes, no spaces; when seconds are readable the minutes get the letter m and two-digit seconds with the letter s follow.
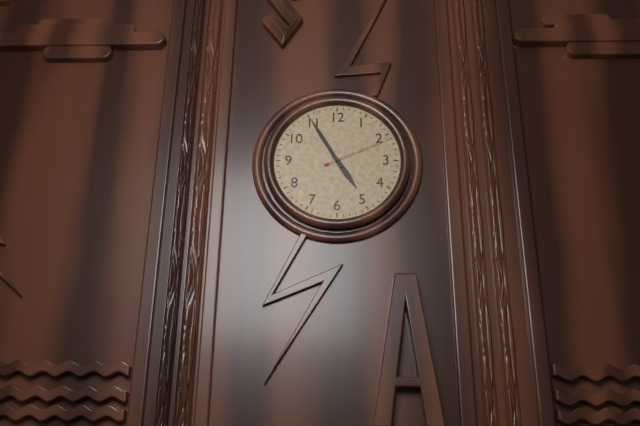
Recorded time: 4h55m11s
